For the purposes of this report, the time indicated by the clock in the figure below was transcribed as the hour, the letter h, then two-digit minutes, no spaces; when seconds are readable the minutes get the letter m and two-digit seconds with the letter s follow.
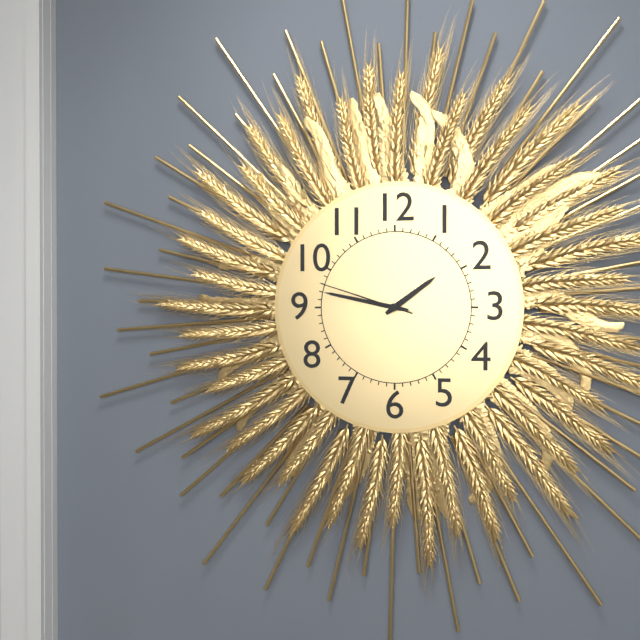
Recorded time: 1h47m48s
